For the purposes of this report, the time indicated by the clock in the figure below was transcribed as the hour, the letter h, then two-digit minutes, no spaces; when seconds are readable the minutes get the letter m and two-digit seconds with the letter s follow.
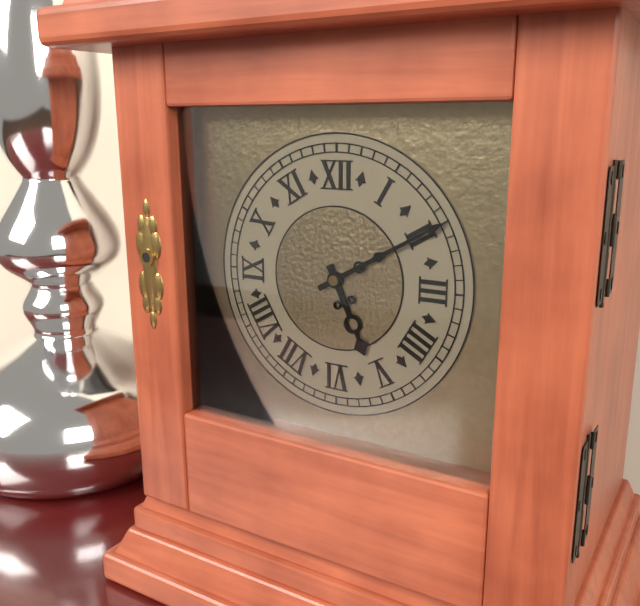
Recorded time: 5h10
